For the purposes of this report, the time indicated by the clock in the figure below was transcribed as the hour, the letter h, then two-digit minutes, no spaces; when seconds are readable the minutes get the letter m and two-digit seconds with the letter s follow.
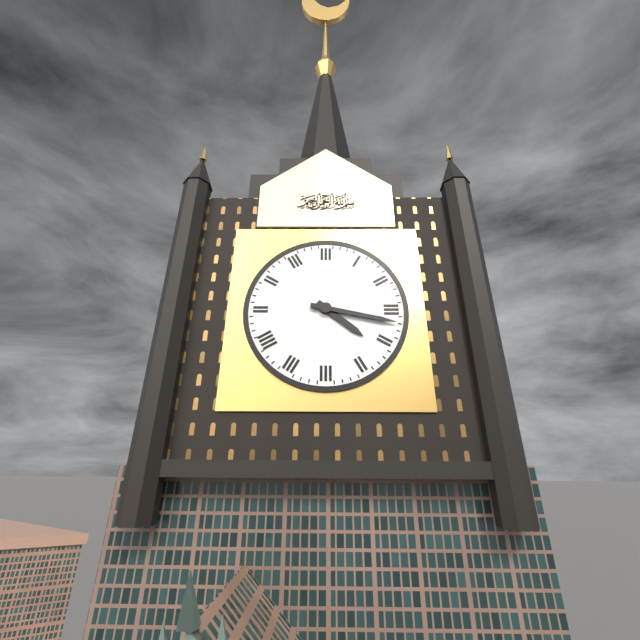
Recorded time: 4h17
